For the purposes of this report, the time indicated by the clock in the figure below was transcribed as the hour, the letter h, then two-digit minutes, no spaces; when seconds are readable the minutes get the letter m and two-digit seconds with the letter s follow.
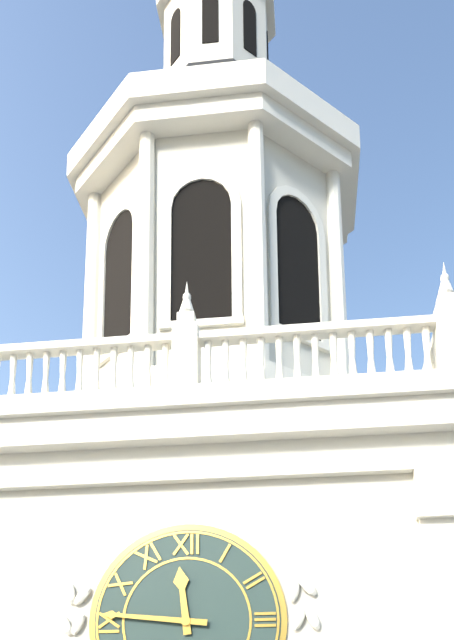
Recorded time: 11h46
